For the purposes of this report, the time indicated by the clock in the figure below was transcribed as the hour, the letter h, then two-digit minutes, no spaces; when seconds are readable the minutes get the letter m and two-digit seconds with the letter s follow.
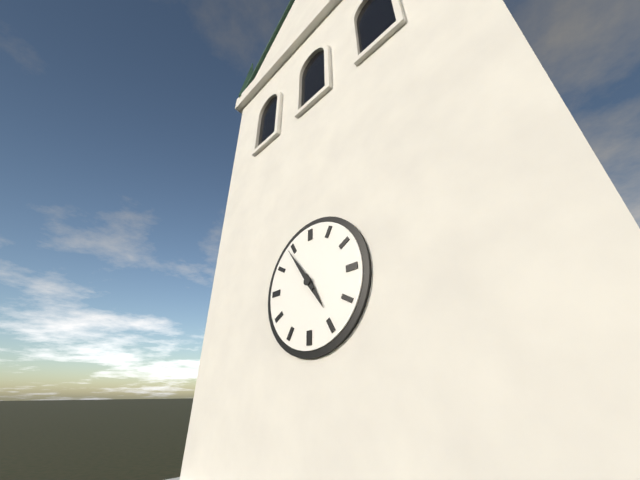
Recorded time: 4h54
